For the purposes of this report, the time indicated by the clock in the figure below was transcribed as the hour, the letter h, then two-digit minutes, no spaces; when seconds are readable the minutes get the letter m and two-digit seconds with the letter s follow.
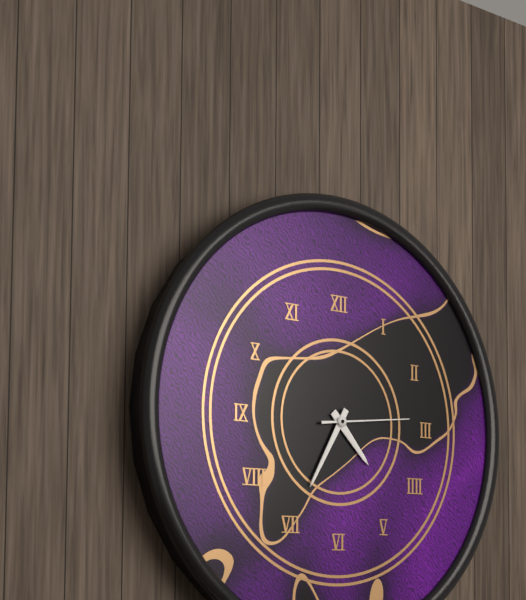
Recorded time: 4h35m14s
